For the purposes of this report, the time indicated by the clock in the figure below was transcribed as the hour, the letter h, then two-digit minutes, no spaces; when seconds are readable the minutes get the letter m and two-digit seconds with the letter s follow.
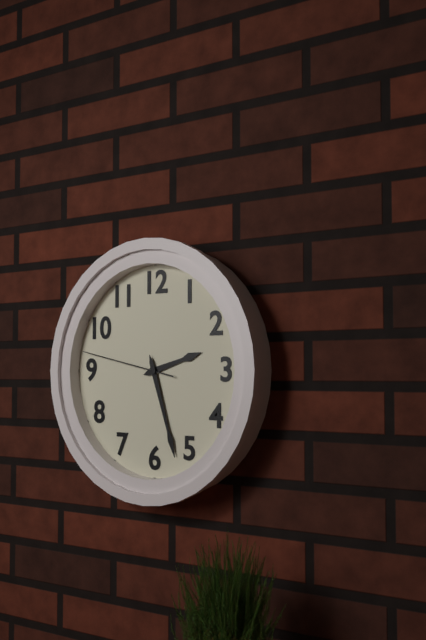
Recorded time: 2h27m47s
